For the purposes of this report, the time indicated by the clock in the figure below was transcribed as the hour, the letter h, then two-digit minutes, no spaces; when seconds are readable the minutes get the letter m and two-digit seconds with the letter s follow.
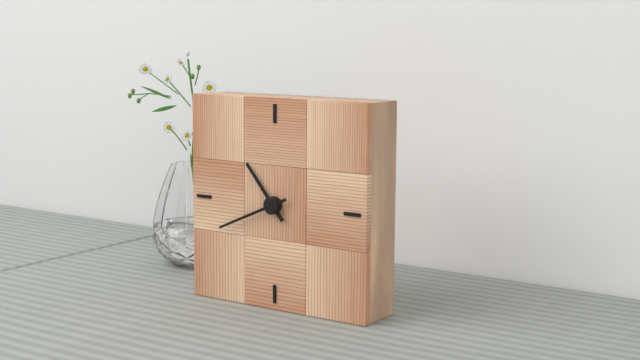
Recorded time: 10h41
